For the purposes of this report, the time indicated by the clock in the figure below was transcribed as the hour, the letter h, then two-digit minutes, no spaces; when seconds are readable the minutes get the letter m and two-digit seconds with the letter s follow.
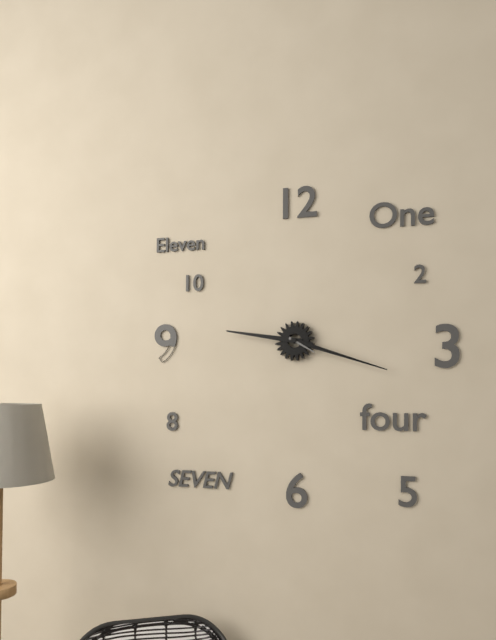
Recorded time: 9h18
